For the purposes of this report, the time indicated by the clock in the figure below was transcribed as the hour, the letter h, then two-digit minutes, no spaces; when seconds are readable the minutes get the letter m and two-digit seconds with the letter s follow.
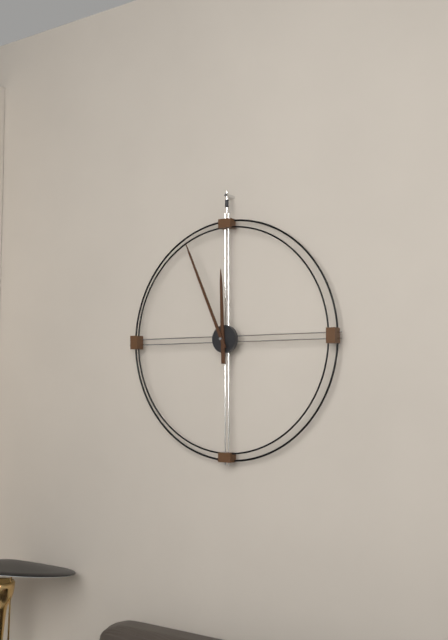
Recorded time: 11h56
